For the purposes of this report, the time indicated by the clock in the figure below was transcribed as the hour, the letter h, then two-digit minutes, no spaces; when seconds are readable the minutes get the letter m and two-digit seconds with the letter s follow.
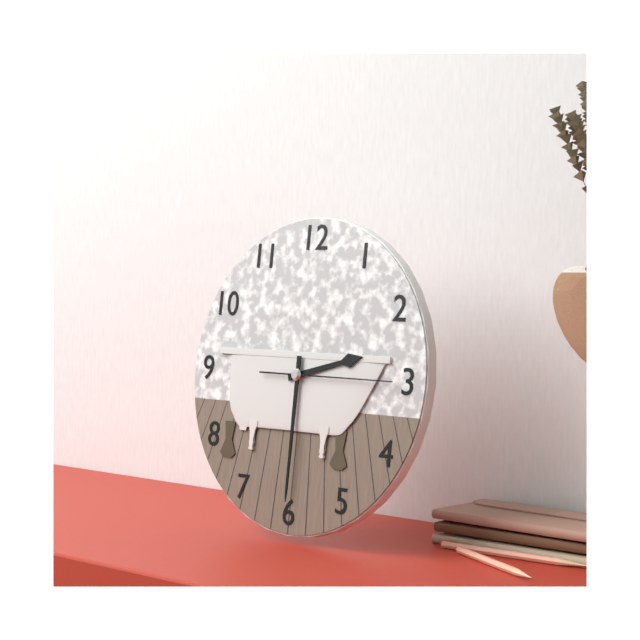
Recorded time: 2h30m15s
